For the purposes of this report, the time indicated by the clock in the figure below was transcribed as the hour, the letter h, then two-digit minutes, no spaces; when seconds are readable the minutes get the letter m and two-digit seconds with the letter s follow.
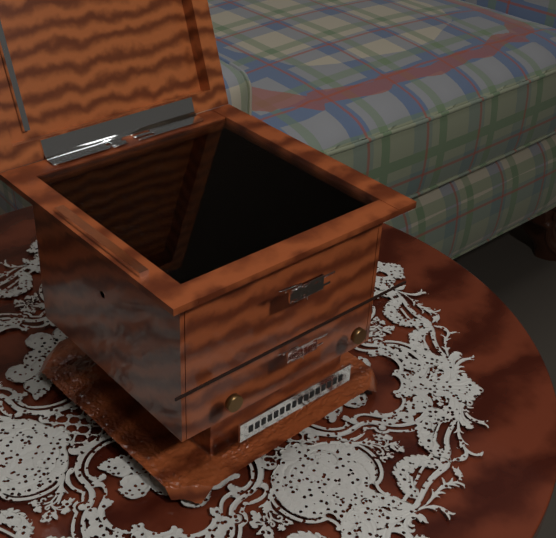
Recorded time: 4h26
